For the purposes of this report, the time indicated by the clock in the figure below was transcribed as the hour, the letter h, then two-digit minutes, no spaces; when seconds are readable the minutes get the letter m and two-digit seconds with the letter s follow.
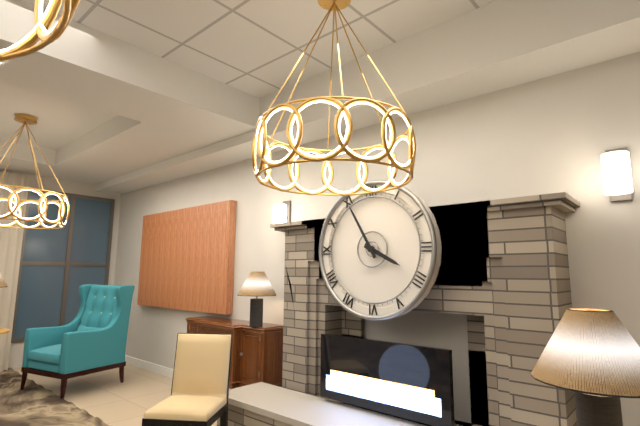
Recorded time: 3h55
